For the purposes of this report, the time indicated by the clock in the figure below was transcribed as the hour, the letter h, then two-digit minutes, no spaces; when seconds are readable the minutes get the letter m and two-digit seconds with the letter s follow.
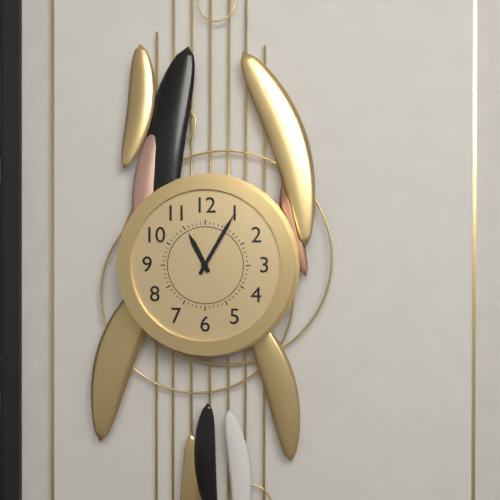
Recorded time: 11h05
